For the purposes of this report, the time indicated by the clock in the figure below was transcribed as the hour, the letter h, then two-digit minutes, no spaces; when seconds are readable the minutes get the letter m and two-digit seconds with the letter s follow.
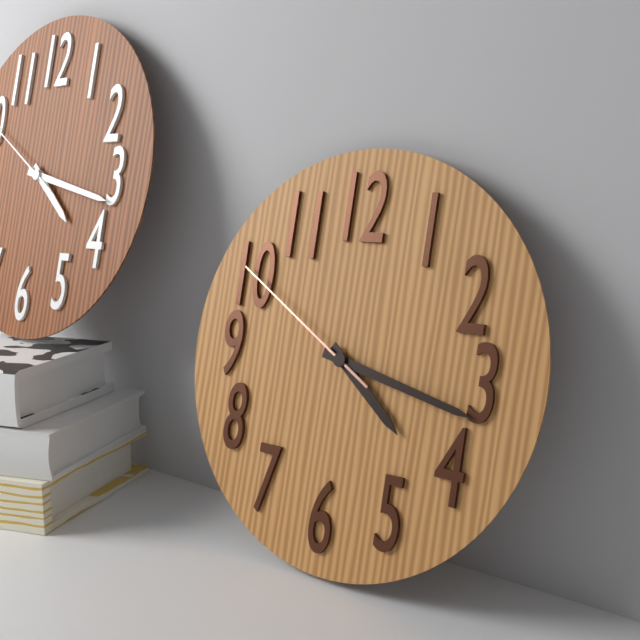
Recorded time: 4h17m50s
